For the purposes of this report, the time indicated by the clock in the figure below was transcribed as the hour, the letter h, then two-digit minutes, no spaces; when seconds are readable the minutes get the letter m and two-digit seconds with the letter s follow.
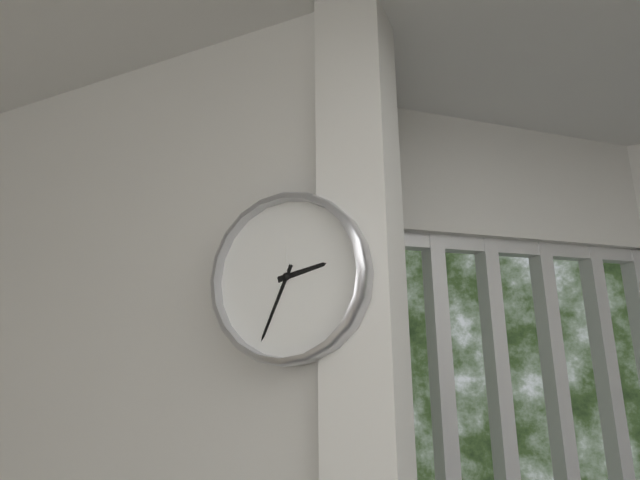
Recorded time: 2h34
